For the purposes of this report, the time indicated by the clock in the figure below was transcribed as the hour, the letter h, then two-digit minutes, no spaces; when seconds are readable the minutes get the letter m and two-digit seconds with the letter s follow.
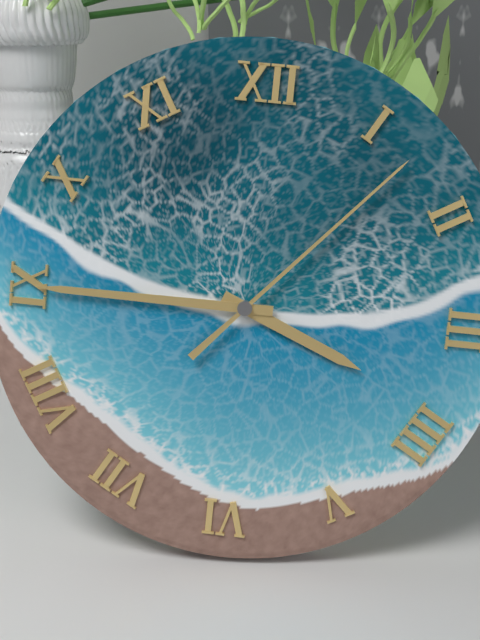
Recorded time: 3h45m07s
